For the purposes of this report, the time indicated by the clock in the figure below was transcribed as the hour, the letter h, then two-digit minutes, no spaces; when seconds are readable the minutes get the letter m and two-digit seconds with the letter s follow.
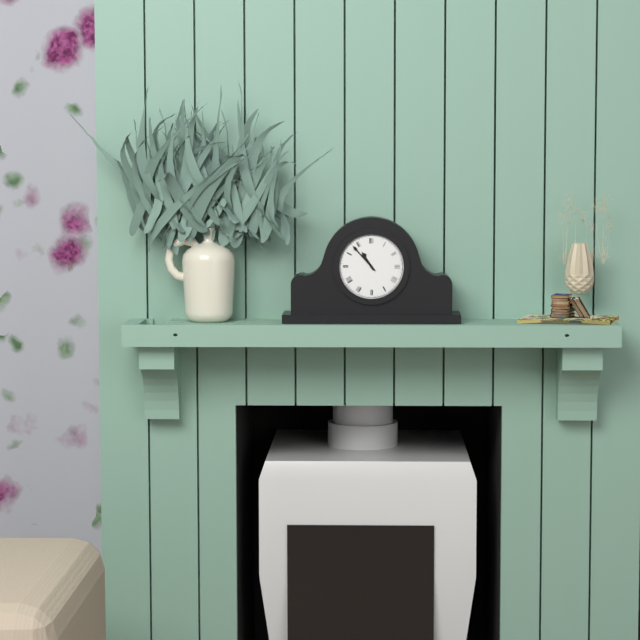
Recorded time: 10h53
